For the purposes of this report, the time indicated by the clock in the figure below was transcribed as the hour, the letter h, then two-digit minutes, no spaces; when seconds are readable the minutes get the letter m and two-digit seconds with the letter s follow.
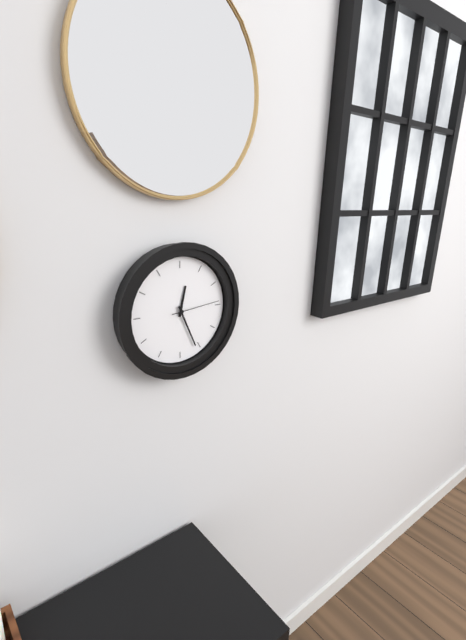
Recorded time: 12h26
